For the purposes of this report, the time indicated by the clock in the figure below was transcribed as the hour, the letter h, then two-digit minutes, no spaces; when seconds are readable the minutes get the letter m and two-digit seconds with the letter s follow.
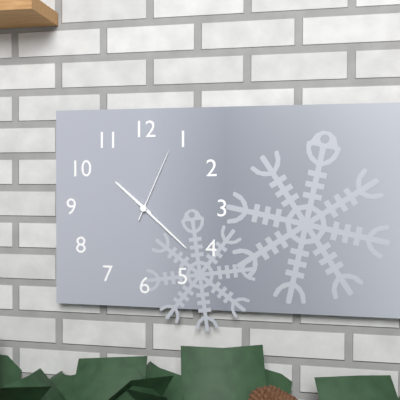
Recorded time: 10h22m04s
